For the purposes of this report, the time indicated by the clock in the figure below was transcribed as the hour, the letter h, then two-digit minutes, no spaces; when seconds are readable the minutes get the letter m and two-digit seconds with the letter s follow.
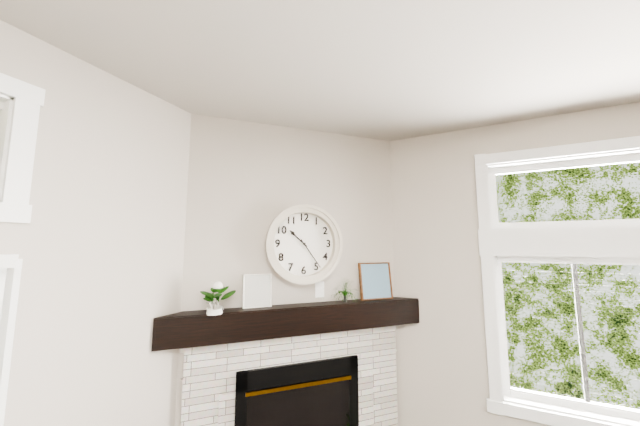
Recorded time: 10h24
